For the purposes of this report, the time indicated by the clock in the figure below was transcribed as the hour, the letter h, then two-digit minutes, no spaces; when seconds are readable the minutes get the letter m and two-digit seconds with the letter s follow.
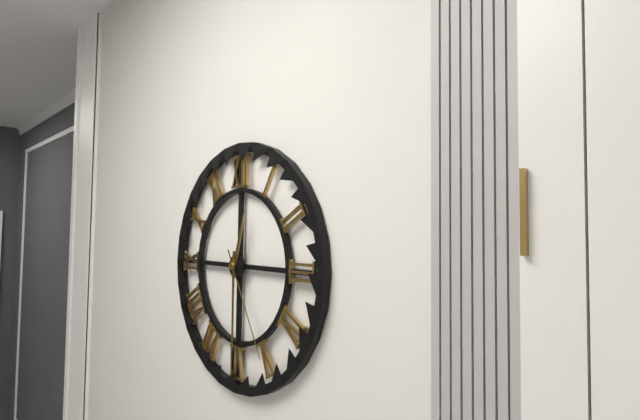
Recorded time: 12h30m25s
